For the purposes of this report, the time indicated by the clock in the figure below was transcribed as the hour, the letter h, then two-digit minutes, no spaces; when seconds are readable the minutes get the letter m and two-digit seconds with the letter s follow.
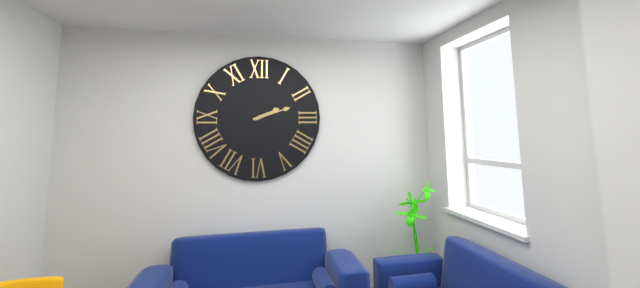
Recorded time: 2h12
